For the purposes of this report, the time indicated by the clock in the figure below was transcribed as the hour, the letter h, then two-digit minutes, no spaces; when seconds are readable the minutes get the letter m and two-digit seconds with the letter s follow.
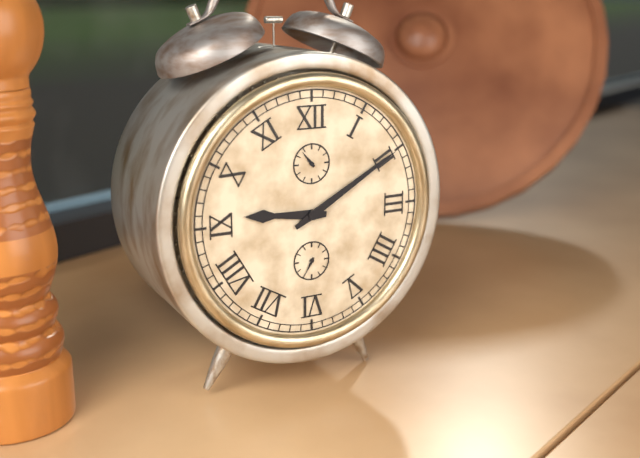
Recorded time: 9h10
